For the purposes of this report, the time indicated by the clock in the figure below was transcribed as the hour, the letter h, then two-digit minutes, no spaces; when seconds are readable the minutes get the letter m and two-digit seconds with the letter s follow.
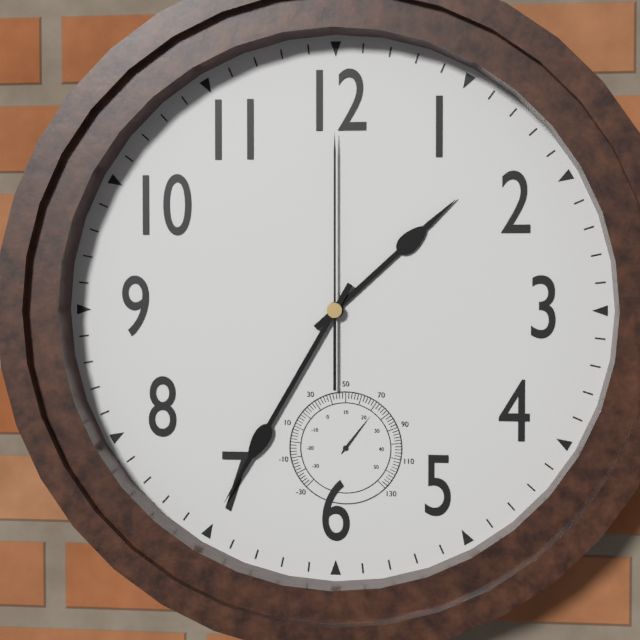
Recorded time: 1h35m00s
